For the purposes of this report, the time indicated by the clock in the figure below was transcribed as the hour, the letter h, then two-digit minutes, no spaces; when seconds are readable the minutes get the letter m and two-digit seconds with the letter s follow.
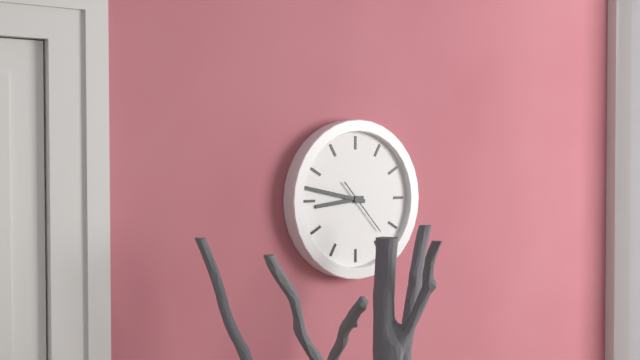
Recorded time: 8h47m23s
